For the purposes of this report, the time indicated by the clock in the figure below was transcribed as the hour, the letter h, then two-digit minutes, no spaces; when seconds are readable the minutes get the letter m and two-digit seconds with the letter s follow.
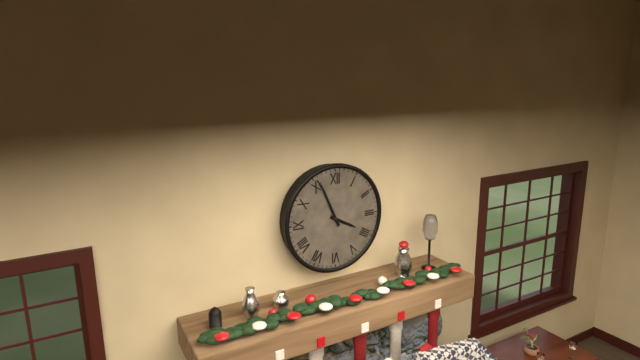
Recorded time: 3h56
